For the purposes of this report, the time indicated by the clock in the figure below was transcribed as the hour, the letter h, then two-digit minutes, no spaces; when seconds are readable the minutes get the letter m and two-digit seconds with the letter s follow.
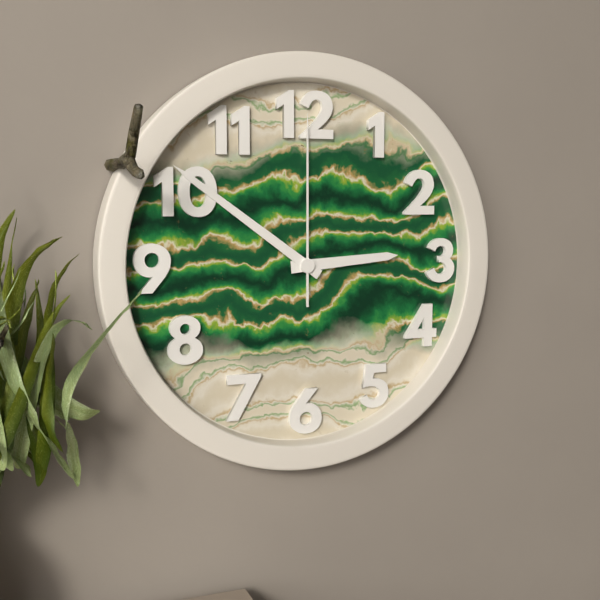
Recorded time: 2h51m00s
